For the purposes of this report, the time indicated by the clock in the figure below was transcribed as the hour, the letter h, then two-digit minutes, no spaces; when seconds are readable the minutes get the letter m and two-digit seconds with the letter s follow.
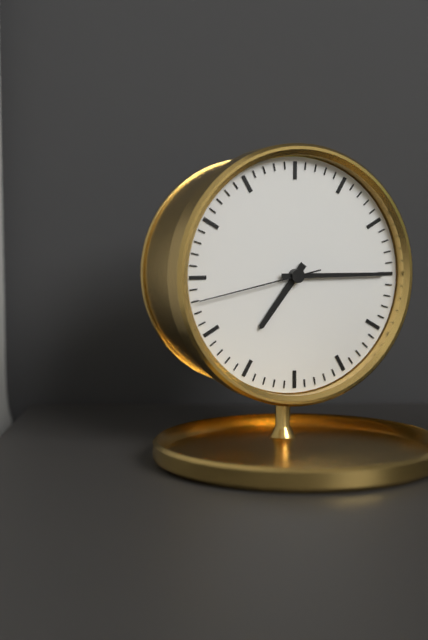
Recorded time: 7h15m43s
